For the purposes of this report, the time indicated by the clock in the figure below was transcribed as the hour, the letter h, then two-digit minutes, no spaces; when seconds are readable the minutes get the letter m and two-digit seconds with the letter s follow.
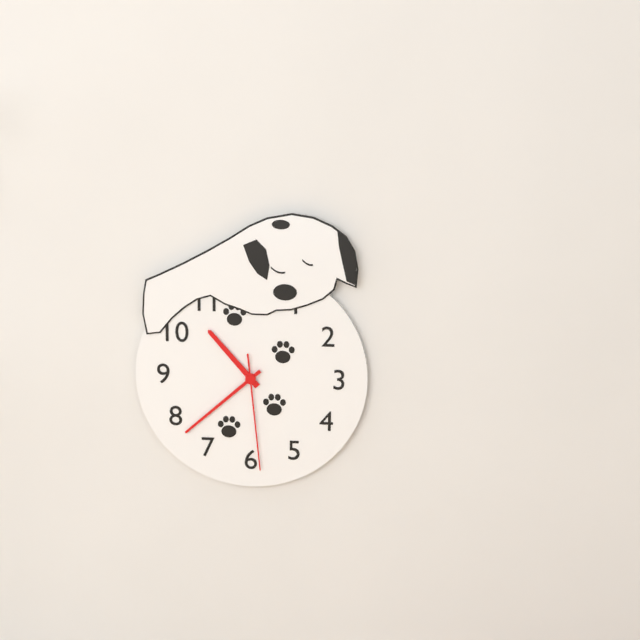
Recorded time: 10h38m29s
